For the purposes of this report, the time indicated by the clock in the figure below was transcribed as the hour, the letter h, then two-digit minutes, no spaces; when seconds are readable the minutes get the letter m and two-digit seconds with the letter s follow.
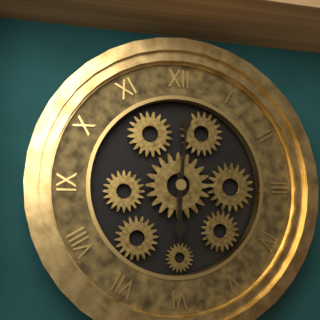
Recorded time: 6h01
